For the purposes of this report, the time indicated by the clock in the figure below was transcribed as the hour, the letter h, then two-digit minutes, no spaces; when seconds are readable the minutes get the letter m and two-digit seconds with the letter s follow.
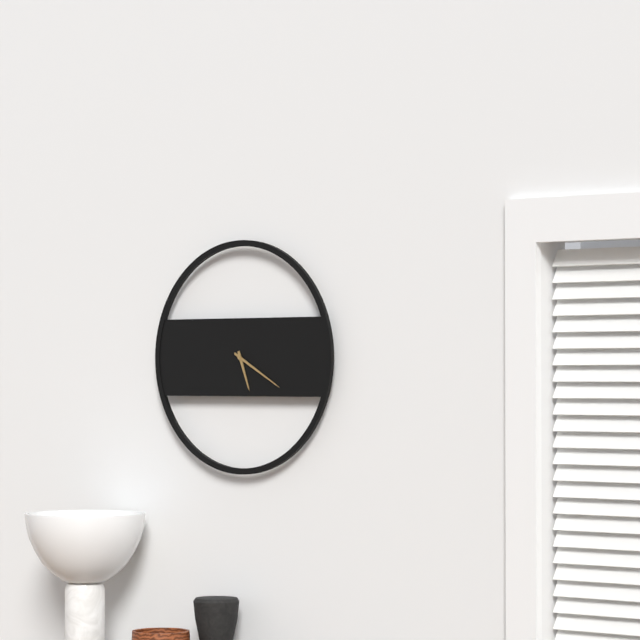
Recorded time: 5h20
